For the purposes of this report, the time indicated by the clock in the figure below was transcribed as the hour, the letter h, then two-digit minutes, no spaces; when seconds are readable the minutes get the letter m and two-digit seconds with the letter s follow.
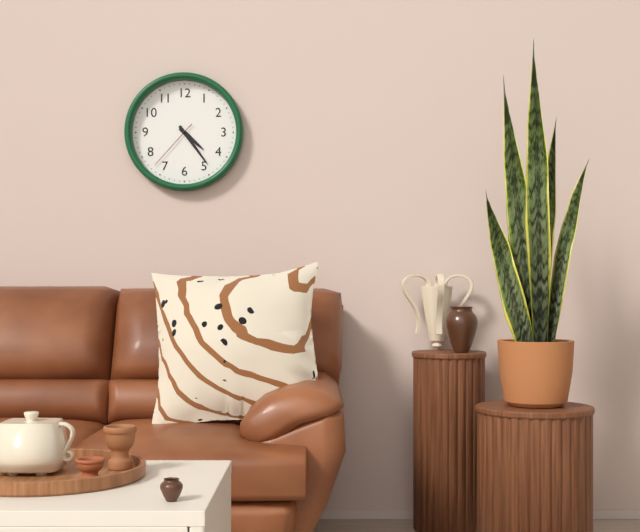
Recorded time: 4h24m37s
